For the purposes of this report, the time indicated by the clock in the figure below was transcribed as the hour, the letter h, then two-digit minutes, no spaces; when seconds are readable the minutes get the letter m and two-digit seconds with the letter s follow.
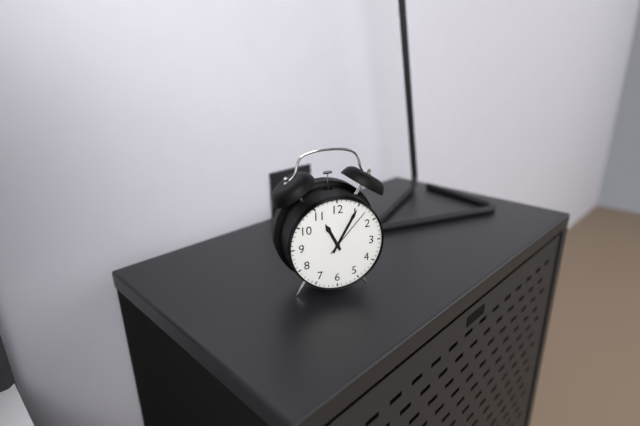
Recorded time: 11h05m07s
